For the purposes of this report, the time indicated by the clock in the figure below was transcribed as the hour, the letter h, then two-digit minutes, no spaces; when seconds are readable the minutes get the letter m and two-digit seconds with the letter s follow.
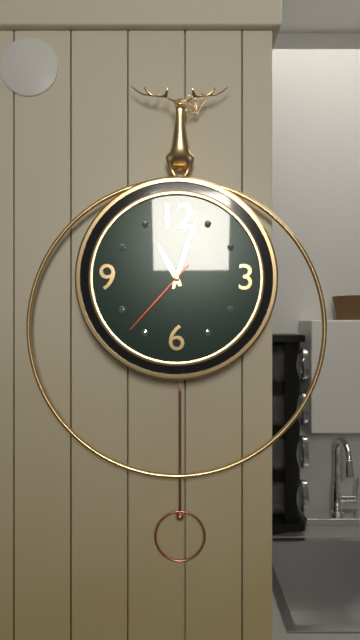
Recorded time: 11h03m37s
